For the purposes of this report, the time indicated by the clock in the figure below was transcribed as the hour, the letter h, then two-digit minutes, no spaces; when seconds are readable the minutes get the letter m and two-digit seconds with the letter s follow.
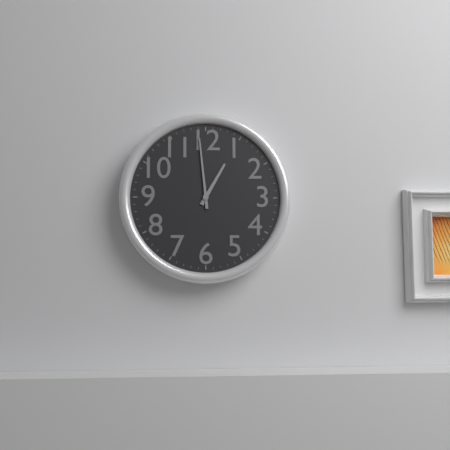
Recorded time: 12h59
